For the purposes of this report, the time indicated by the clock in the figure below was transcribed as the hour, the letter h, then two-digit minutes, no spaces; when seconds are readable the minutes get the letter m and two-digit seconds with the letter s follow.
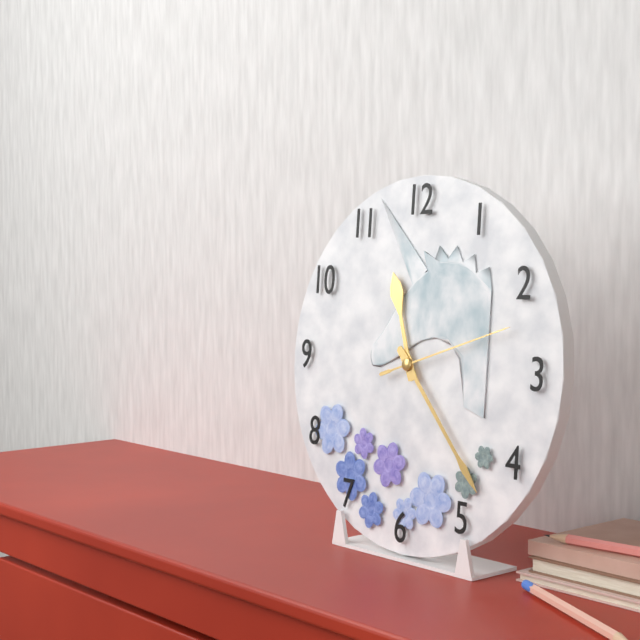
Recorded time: 11h23m12s
